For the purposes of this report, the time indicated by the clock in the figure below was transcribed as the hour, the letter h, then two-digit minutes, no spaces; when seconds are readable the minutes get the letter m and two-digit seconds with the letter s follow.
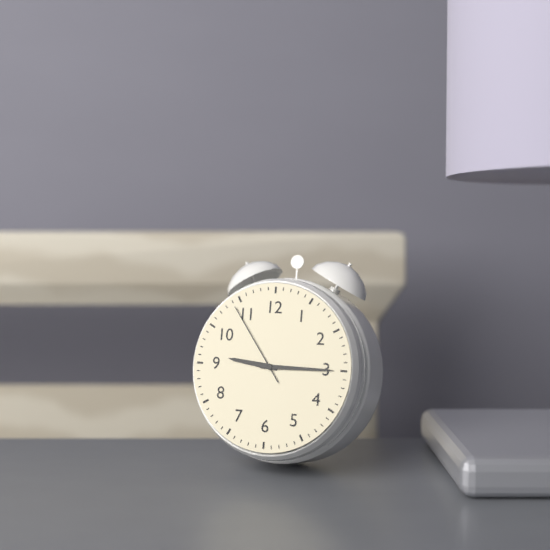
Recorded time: 9h15m54s
